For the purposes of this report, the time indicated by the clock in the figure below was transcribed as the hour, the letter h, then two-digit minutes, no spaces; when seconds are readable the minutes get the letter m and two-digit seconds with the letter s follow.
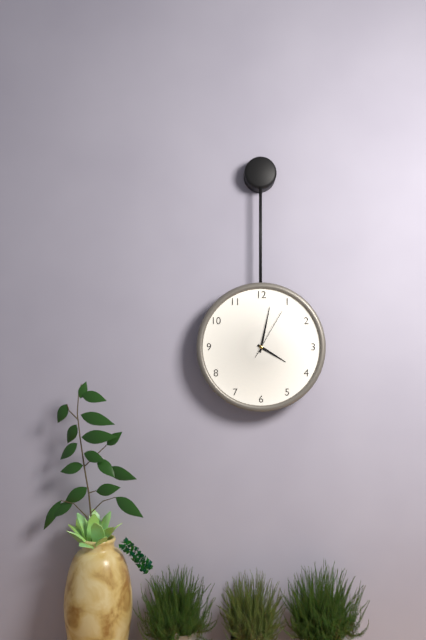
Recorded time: 4h02m05s
